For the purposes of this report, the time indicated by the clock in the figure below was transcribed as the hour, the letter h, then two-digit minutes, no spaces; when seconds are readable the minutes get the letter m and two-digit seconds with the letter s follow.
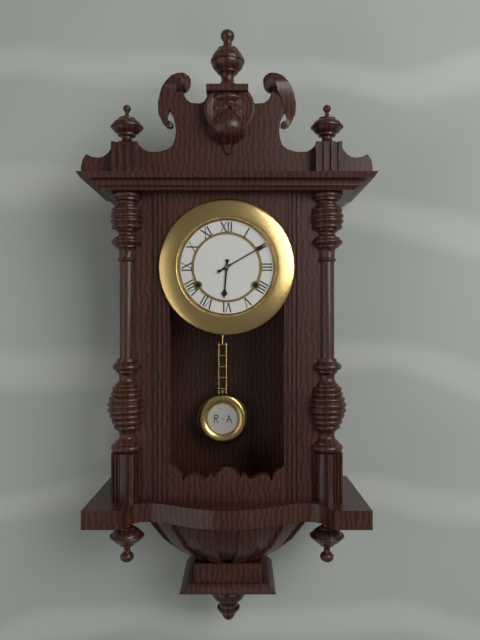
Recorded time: 6h10
